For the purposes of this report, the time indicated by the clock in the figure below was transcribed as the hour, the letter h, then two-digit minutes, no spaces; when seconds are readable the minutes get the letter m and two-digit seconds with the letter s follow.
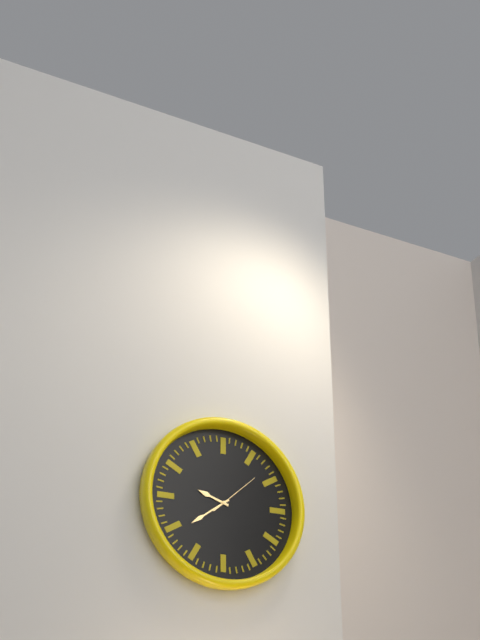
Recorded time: 9h39m08s
